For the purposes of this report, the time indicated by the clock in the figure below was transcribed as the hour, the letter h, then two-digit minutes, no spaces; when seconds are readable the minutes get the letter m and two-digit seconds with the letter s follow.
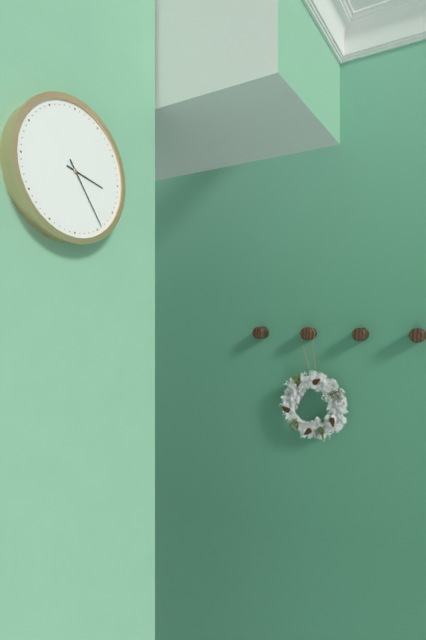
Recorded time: 3h24
